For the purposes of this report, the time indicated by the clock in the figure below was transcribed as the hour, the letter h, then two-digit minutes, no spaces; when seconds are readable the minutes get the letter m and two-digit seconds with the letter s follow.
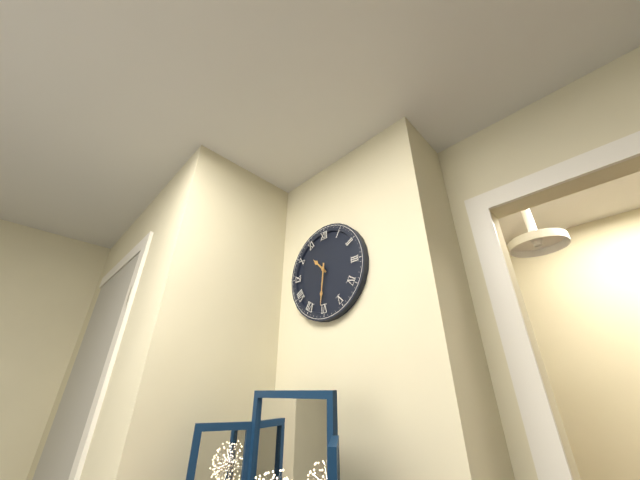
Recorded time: 10h31
